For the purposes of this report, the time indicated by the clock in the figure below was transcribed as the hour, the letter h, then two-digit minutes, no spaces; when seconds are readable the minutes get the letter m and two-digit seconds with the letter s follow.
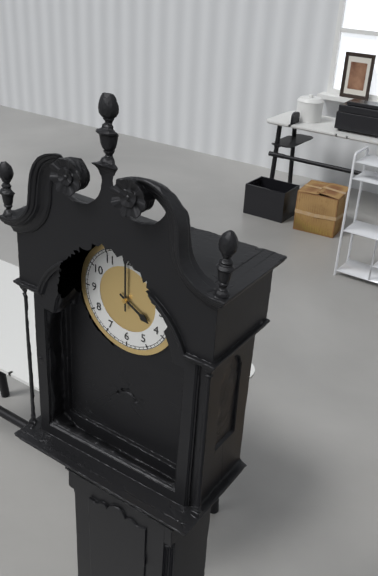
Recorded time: 4h00
